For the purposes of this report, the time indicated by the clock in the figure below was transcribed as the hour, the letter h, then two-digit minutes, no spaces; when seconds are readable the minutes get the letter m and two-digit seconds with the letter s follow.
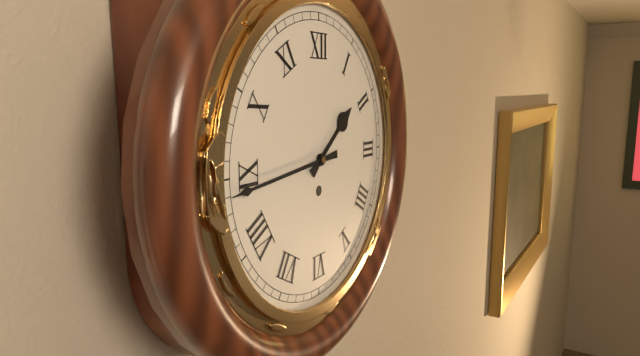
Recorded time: 1h44
